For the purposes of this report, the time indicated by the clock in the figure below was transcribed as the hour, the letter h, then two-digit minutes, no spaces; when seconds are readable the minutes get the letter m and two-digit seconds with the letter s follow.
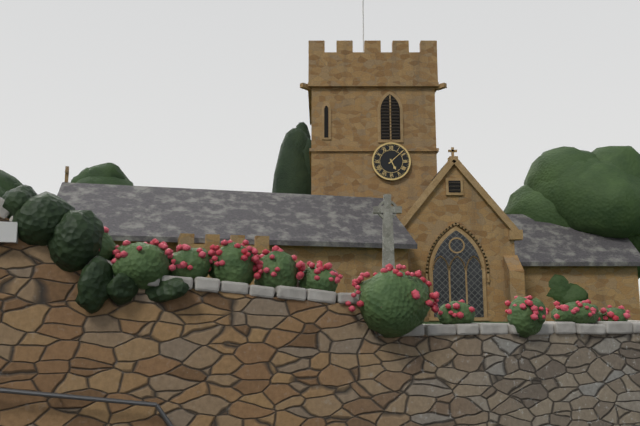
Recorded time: 5h08
